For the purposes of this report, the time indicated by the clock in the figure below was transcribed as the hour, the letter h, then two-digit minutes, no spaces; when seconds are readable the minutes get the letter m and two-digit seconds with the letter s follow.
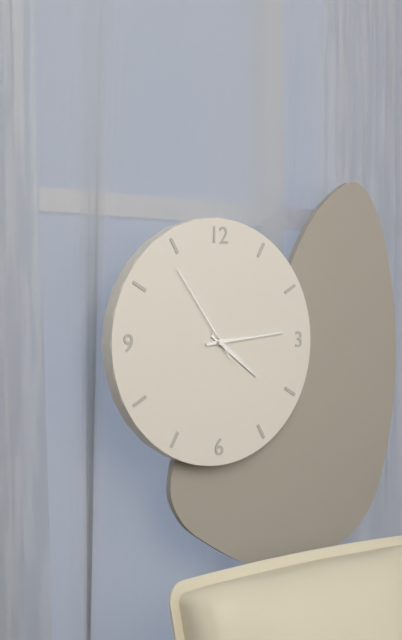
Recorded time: 4h14m54s
